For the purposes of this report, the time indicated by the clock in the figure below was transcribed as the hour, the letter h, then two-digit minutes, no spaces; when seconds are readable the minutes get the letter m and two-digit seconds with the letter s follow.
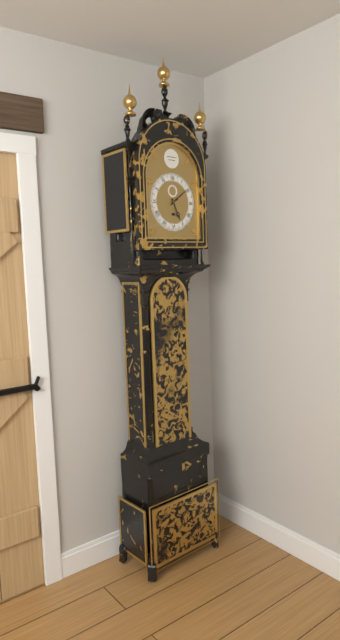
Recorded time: 5h09
